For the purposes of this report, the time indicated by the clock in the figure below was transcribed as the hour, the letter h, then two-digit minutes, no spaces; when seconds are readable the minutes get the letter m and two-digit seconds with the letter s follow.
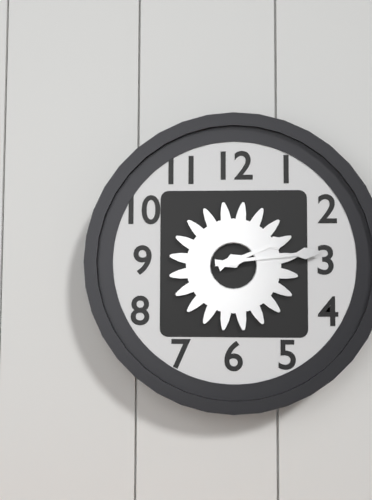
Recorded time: 2h14
